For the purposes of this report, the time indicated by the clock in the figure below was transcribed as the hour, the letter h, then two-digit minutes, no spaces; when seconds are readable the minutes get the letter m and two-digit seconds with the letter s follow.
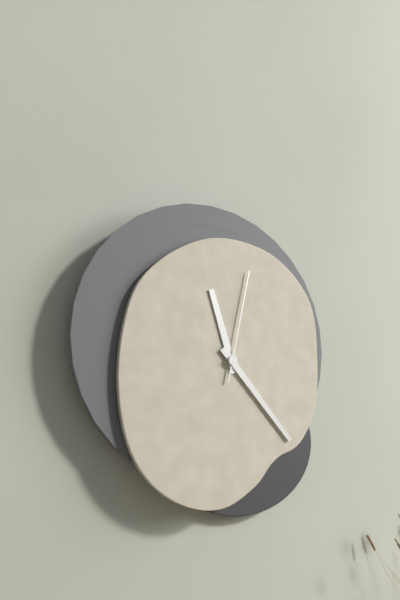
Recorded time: 11h23m02s
